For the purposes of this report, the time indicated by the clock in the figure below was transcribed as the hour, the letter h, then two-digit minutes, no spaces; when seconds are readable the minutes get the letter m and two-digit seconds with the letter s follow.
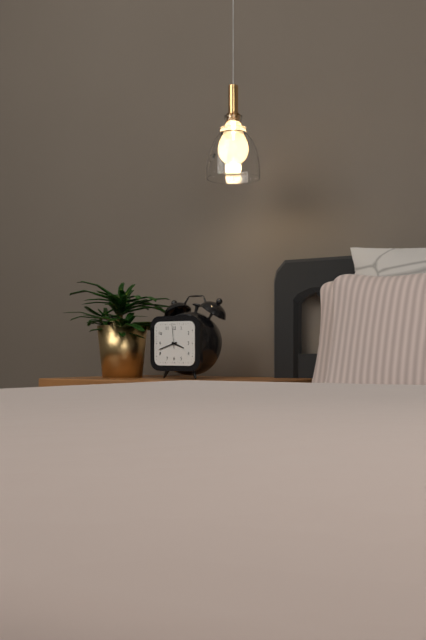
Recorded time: 3h42
